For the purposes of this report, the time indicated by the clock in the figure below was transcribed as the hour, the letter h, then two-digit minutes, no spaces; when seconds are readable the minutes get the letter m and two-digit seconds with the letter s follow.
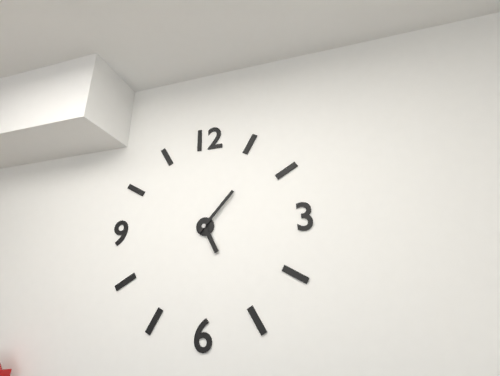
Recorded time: 5h07
